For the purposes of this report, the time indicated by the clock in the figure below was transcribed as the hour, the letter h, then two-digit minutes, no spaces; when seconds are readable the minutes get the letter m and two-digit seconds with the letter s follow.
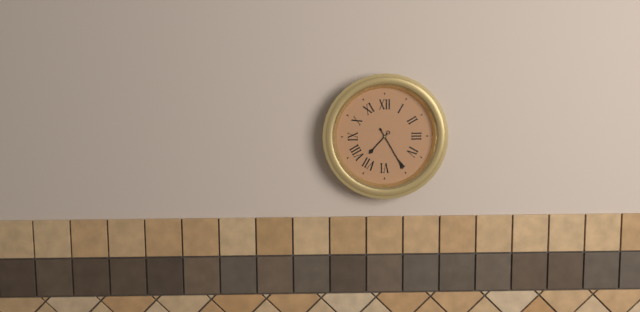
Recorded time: 7h25
